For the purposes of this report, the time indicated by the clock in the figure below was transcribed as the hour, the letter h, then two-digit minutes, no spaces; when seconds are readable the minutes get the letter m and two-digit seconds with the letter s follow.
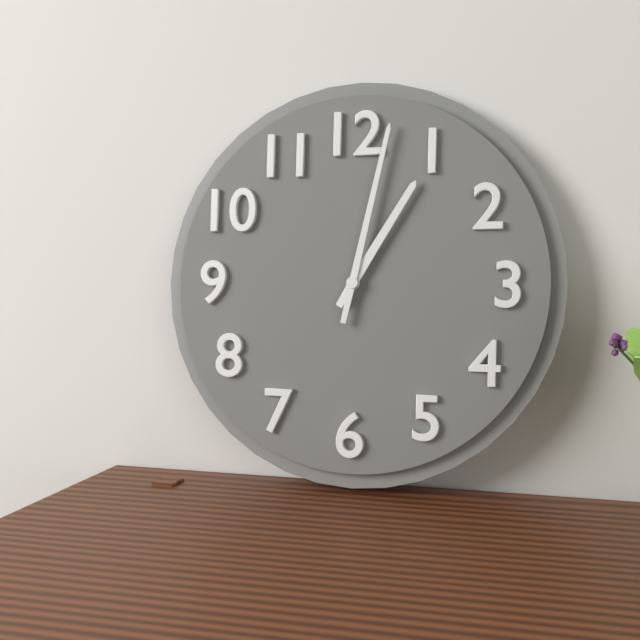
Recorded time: 1h02
